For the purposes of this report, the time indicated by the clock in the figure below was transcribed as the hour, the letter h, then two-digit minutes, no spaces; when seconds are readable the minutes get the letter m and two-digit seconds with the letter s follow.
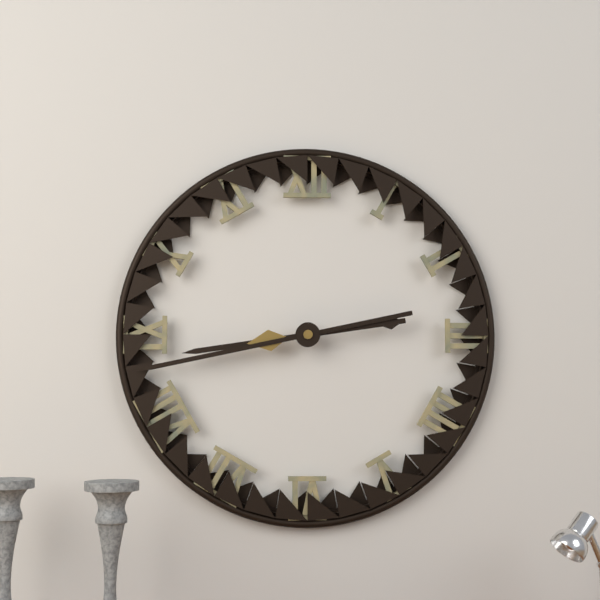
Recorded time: 8h43
